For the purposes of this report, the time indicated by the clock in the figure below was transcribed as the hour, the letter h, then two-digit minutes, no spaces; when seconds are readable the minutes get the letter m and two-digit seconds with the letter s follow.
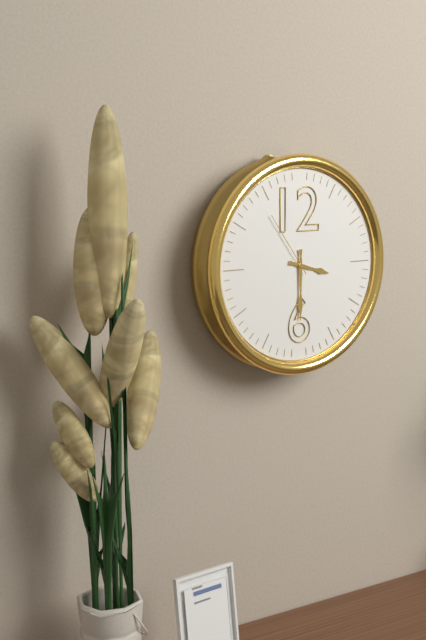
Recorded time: 3h30m54s
